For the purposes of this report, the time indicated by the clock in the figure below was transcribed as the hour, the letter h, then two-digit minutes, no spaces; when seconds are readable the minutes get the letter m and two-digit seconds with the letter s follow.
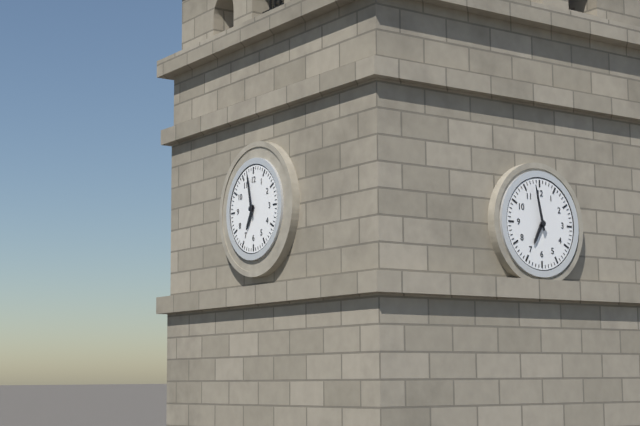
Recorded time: 6h58
